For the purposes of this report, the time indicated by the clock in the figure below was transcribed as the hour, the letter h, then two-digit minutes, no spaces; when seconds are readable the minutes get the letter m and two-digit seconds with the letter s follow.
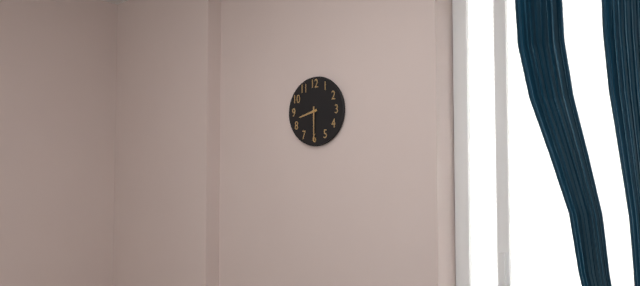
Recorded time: 8h30
